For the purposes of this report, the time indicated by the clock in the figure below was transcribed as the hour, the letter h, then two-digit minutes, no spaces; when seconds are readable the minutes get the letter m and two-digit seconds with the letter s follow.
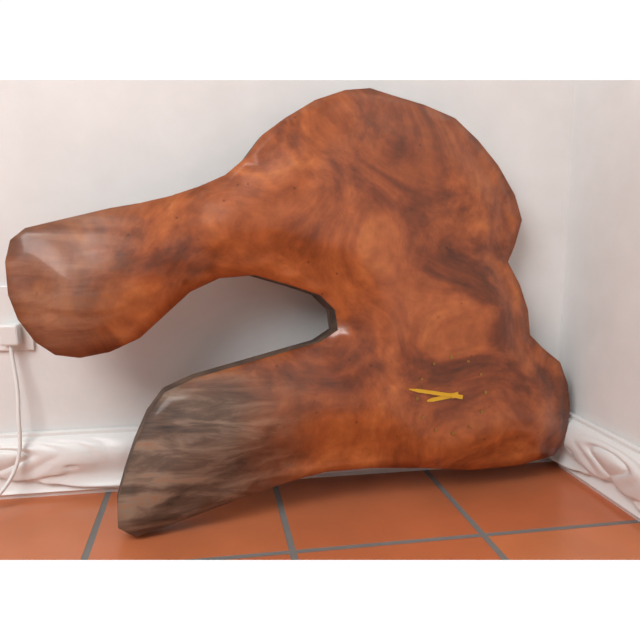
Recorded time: 8h47
